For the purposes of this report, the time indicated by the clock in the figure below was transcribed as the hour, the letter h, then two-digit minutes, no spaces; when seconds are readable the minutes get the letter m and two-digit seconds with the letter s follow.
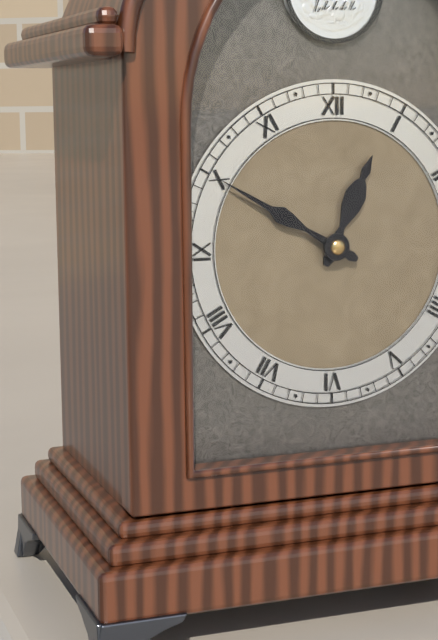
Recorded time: 12h50
